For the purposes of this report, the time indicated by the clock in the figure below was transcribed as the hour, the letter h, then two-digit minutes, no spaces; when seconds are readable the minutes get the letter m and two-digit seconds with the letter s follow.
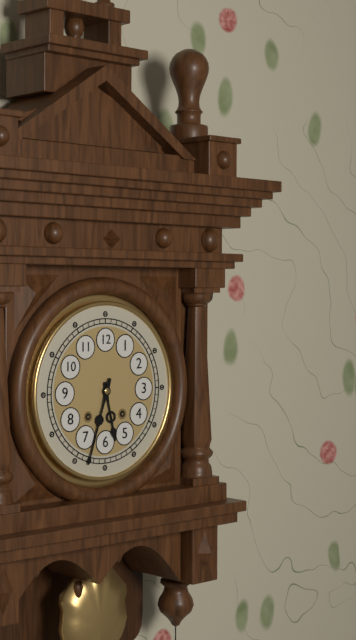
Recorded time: 5h33
